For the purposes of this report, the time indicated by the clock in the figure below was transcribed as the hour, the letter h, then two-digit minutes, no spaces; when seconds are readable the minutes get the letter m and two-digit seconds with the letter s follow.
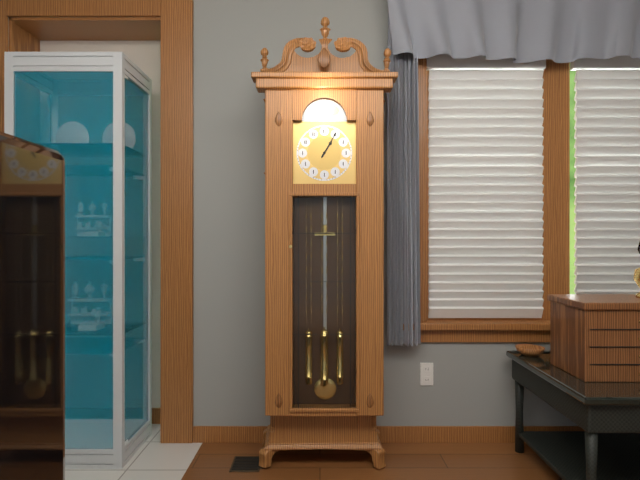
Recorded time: 1h05
